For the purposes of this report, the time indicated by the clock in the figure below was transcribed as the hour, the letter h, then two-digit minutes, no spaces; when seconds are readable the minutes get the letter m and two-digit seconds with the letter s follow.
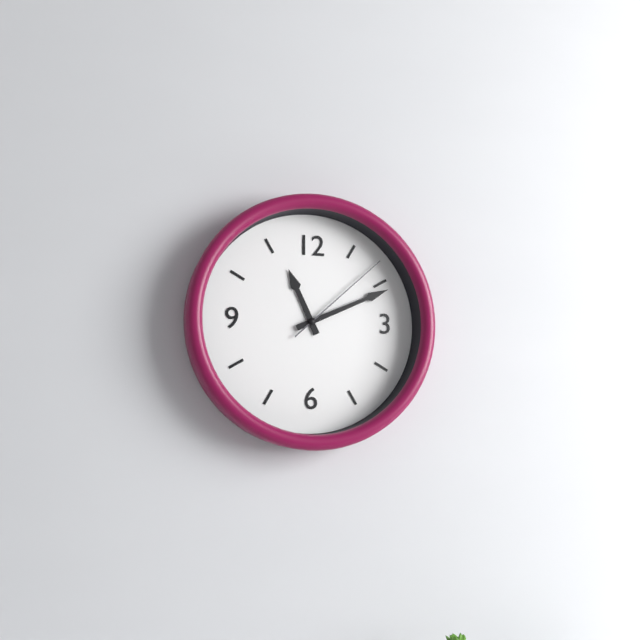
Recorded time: 11h11m08s
